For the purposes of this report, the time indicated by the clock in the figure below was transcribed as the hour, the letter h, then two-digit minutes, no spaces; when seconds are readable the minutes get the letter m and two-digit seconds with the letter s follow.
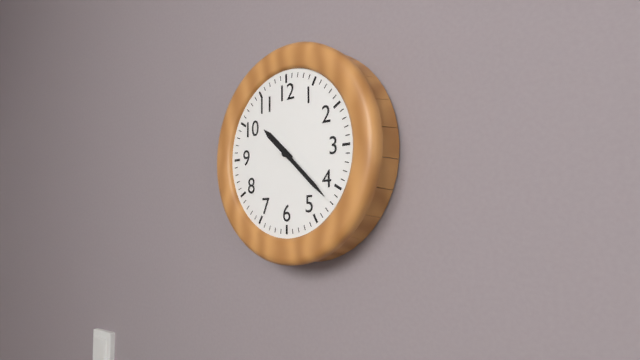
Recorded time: 10h22
